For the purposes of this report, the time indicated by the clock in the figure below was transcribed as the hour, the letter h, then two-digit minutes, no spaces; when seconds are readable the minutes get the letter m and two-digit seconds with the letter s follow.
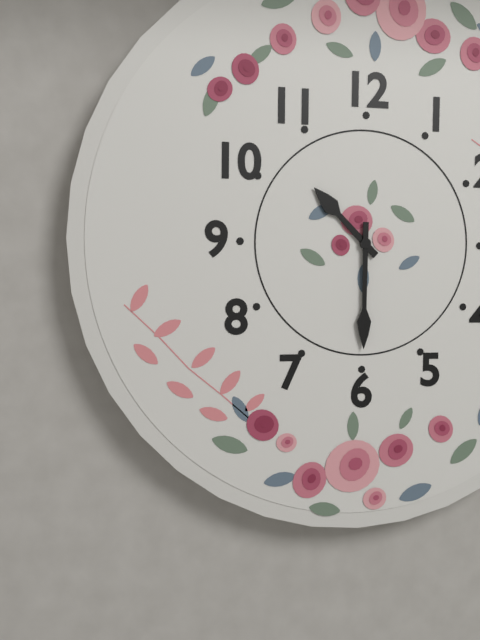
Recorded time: 10h30
